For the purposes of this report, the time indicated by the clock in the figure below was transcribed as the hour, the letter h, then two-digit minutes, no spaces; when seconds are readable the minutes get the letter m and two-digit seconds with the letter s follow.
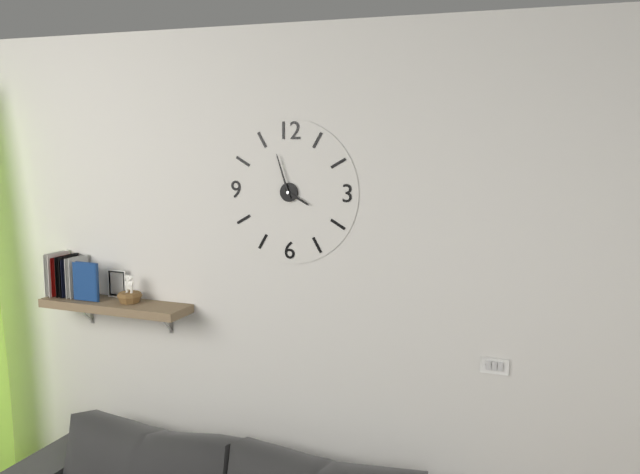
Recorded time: 3h57
